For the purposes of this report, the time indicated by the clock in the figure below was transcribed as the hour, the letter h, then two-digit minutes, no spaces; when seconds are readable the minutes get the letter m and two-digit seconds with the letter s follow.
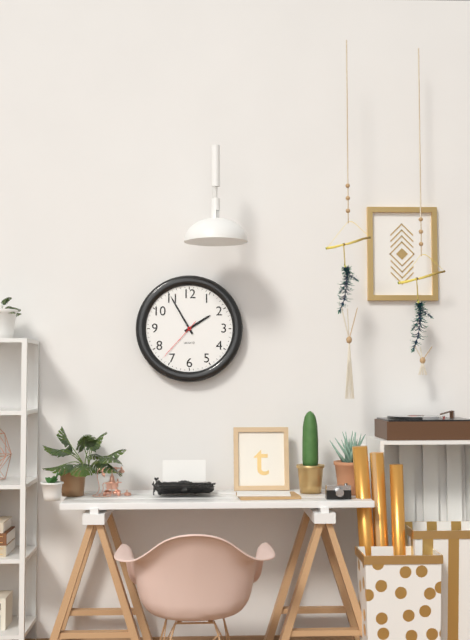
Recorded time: 1h55
